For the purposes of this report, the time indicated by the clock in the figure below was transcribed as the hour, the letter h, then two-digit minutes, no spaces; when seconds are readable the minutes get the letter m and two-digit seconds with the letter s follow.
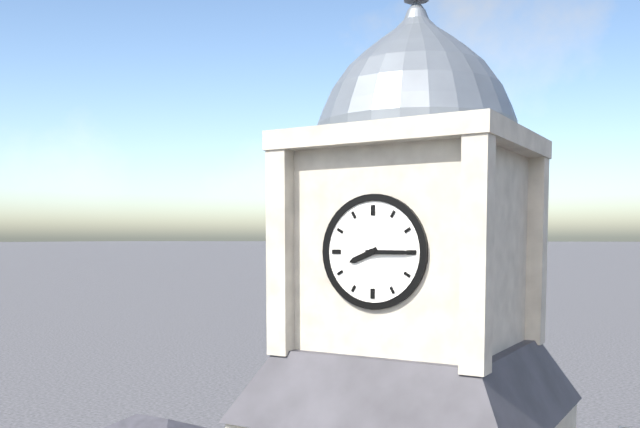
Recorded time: 8h15
